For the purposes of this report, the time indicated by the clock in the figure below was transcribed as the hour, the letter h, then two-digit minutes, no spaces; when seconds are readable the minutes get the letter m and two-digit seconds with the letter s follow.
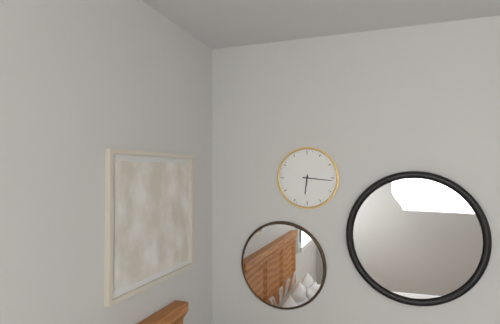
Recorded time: 6h16
